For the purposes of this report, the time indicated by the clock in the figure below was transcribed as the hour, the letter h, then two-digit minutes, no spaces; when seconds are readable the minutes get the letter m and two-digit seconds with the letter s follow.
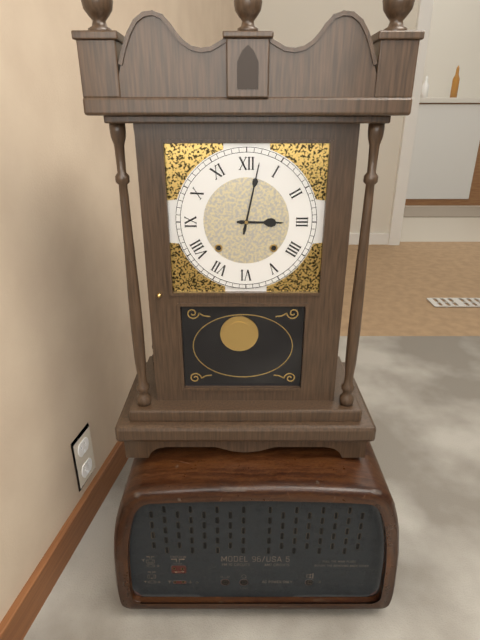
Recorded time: 3h02
